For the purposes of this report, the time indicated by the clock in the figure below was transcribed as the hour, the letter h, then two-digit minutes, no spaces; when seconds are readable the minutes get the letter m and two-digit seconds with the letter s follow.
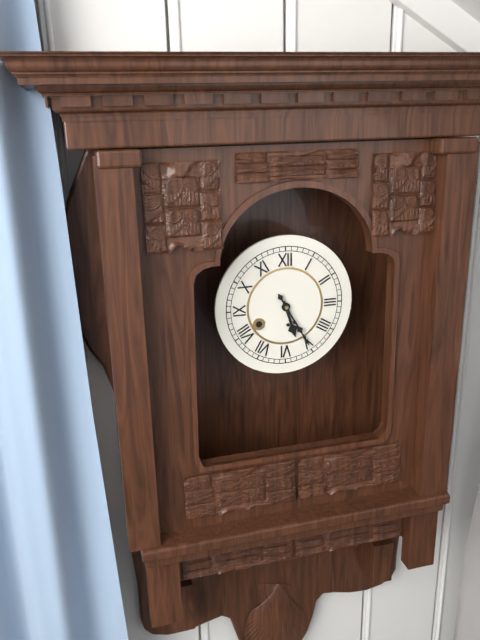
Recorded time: 5h25
